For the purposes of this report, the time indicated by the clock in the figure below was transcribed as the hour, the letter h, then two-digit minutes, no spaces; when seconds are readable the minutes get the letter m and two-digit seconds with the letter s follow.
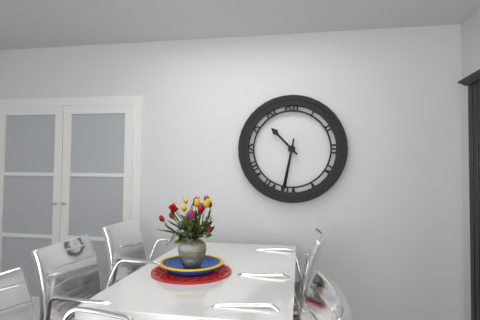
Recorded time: 10h32
